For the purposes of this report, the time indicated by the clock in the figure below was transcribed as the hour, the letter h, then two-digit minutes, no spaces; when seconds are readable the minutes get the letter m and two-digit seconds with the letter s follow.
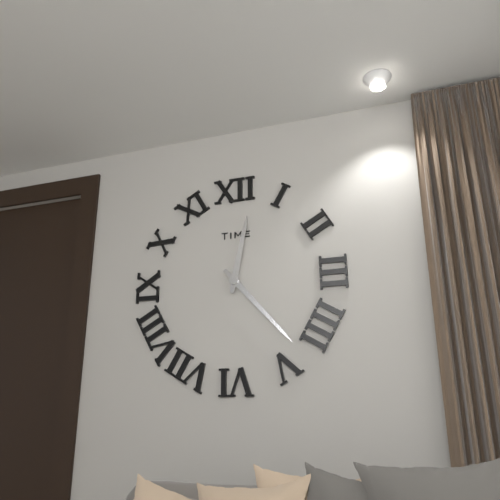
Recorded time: 12h23
